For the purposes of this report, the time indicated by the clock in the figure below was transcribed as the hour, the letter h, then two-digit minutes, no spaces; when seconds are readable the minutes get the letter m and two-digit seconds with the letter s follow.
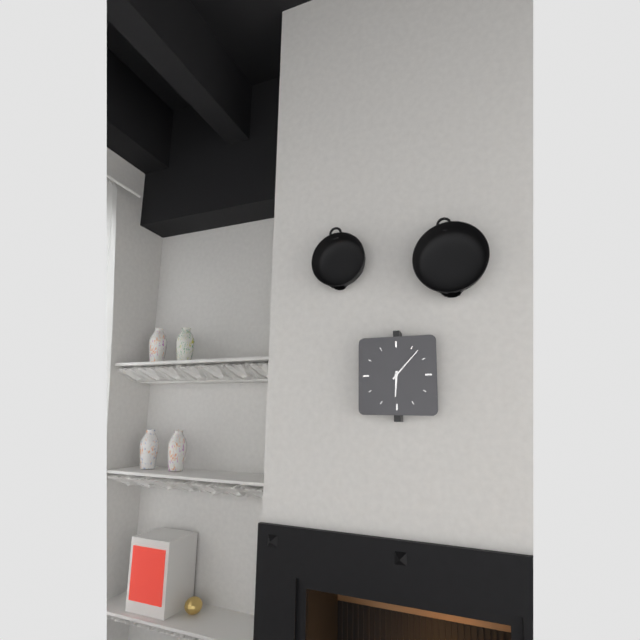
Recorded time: 6h07
